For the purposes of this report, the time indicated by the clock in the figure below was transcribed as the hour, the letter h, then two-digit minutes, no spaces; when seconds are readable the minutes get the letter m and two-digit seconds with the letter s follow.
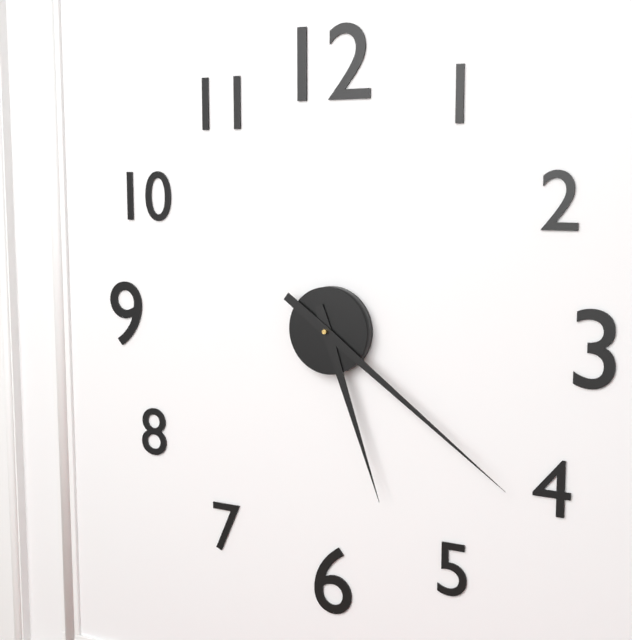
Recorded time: 5h21
